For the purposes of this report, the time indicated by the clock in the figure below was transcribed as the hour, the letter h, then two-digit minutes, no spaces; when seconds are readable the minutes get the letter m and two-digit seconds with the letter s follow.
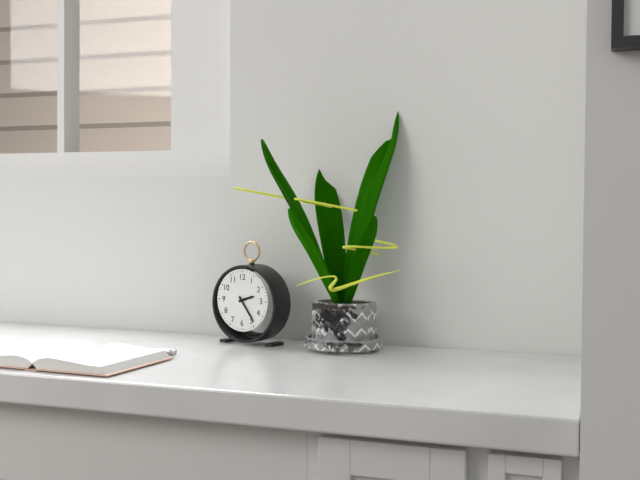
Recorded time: 2h24
